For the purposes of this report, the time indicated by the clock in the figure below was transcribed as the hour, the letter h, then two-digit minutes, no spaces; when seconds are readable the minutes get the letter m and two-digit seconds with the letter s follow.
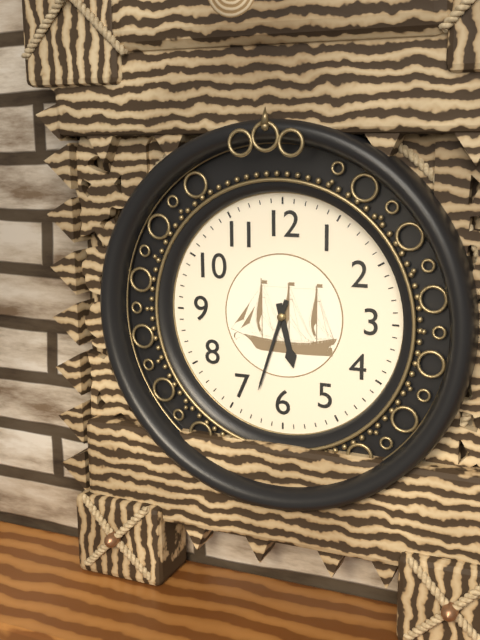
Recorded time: 5h33
